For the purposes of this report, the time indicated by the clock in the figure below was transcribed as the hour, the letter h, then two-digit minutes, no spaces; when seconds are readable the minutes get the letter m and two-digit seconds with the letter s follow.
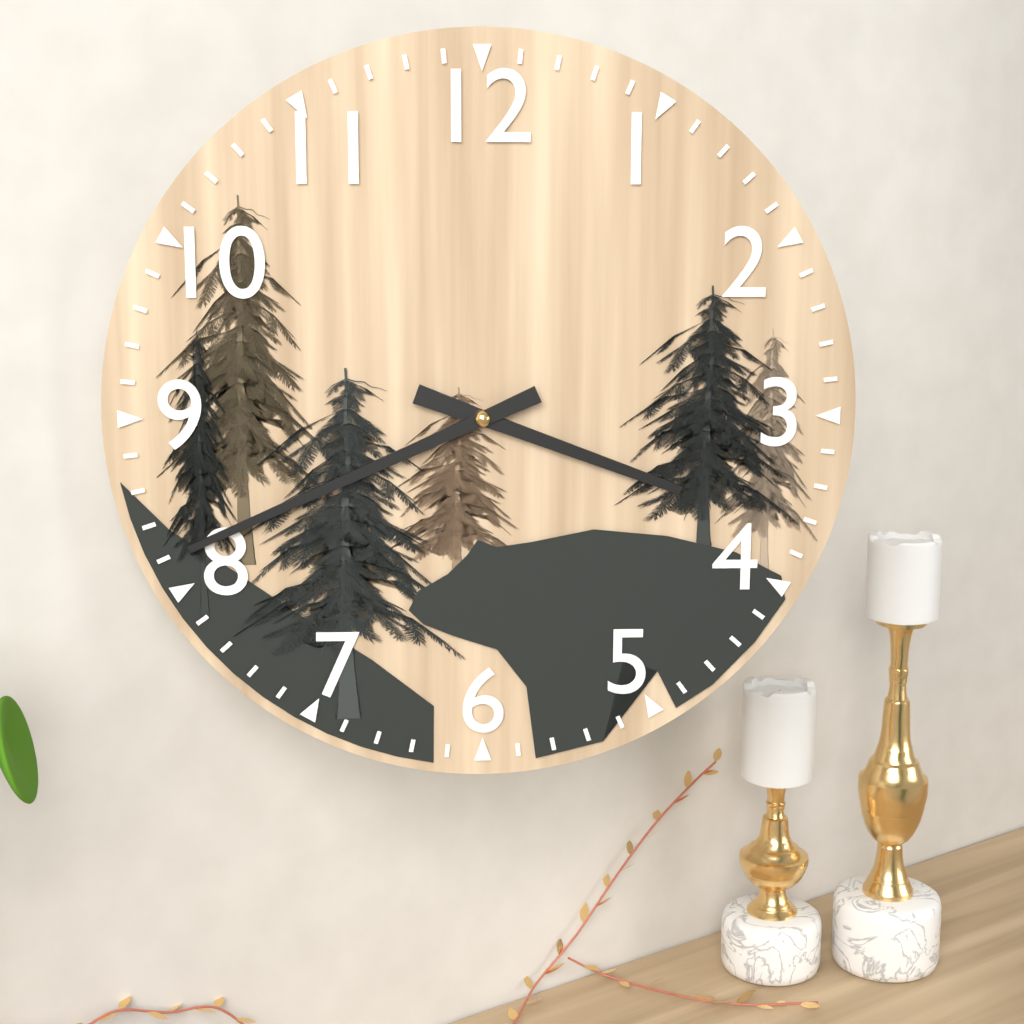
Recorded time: 3h41
